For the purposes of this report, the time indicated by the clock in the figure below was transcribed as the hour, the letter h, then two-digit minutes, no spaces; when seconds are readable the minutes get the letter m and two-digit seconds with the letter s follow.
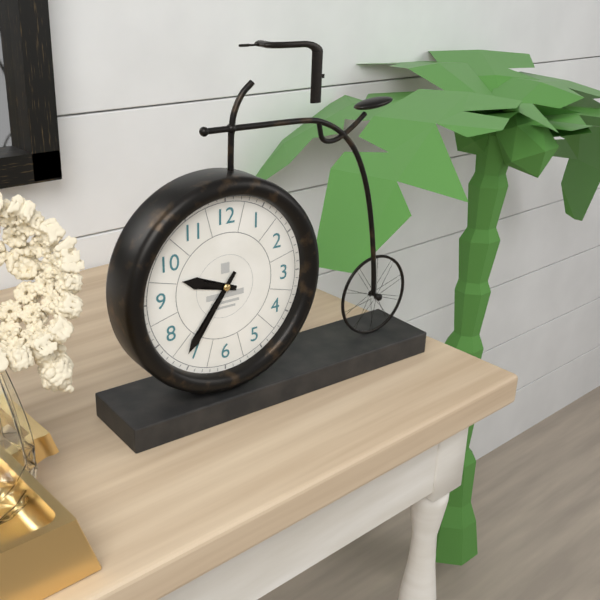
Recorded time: 9h36
